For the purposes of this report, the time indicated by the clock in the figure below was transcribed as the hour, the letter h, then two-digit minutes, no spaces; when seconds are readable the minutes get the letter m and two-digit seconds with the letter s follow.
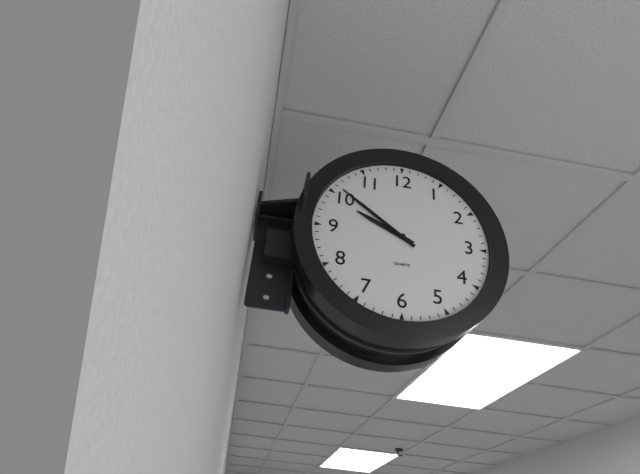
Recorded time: 9h51
